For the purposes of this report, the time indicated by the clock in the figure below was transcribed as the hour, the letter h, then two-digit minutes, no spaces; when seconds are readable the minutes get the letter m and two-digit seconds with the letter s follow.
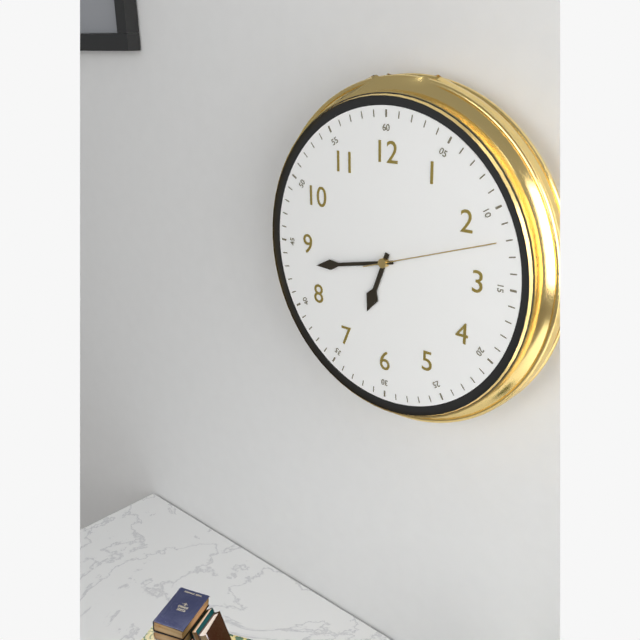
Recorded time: 6h43m12s
